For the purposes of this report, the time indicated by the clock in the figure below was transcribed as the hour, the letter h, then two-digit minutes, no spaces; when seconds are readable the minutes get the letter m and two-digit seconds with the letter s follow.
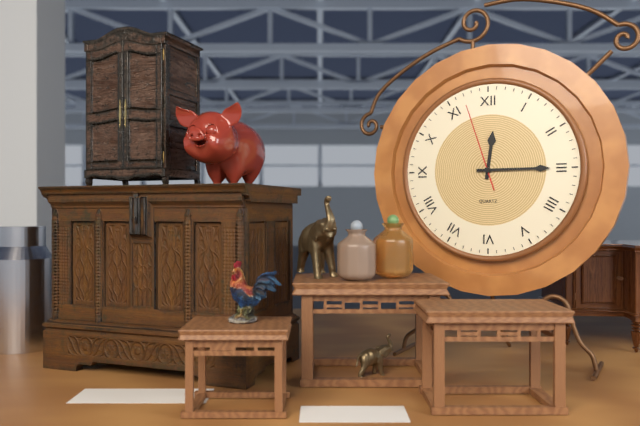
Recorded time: 12h15m57s
